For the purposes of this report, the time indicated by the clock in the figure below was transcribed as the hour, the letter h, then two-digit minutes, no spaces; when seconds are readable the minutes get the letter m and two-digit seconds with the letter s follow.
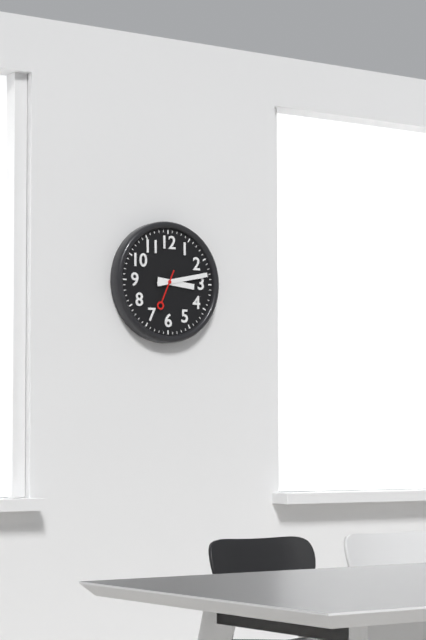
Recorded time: 3h13
